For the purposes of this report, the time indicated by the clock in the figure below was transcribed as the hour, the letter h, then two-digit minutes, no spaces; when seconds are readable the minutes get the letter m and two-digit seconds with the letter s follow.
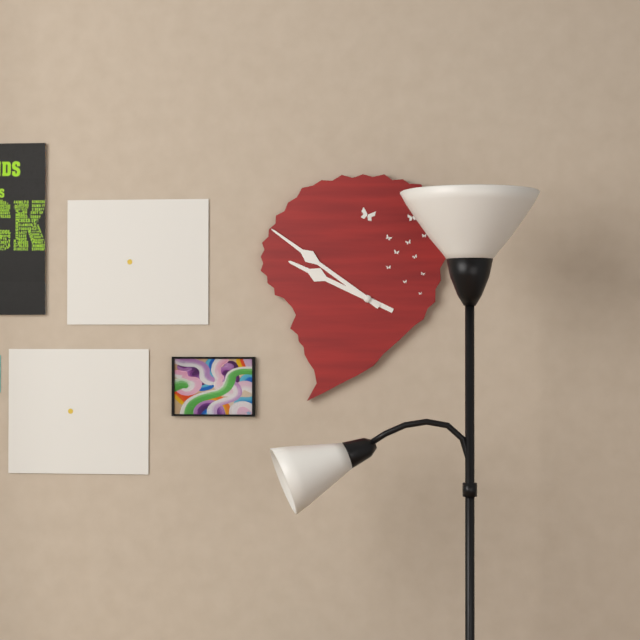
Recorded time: 9h51
